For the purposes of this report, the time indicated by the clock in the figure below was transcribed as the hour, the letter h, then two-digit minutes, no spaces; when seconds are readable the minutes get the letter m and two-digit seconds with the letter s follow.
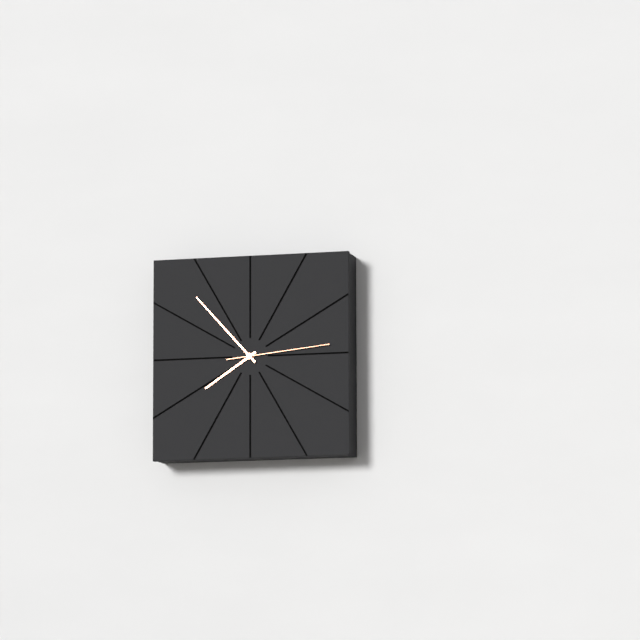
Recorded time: 7h53m14s
